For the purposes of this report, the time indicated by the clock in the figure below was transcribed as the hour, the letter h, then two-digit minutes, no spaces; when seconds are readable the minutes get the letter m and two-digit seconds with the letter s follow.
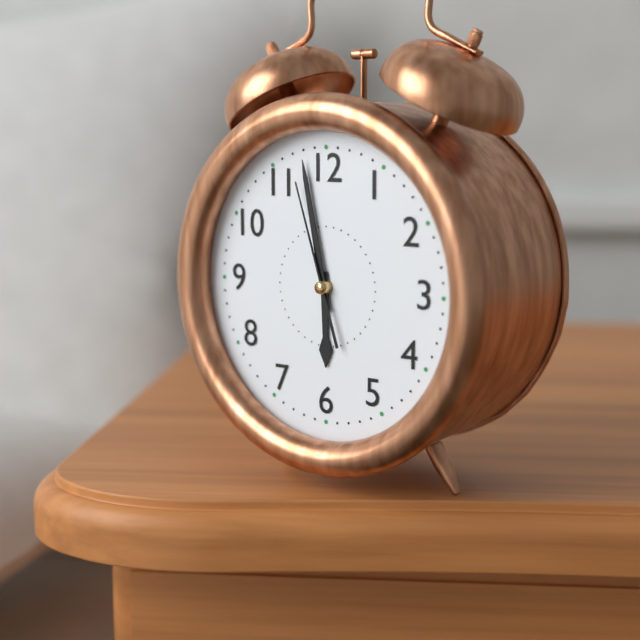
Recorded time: 5h58m57s
